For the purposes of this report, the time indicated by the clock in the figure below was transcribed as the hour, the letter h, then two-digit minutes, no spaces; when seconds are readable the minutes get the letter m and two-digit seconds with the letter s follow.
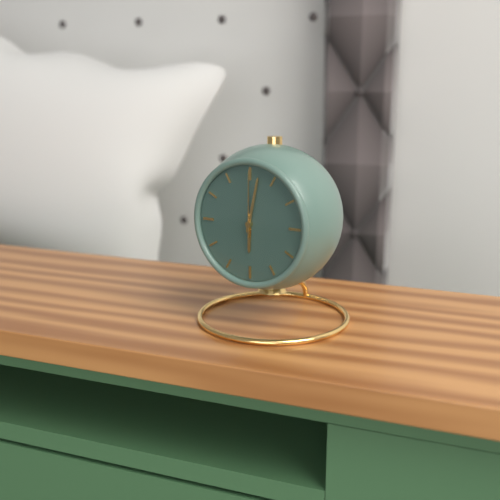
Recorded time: 6h02m00s
